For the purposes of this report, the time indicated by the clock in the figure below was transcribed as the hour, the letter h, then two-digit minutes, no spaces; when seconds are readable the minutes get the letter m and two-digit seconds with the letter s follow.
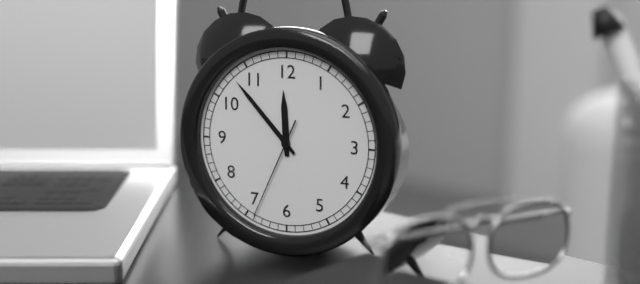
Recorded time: 11h53m34s
